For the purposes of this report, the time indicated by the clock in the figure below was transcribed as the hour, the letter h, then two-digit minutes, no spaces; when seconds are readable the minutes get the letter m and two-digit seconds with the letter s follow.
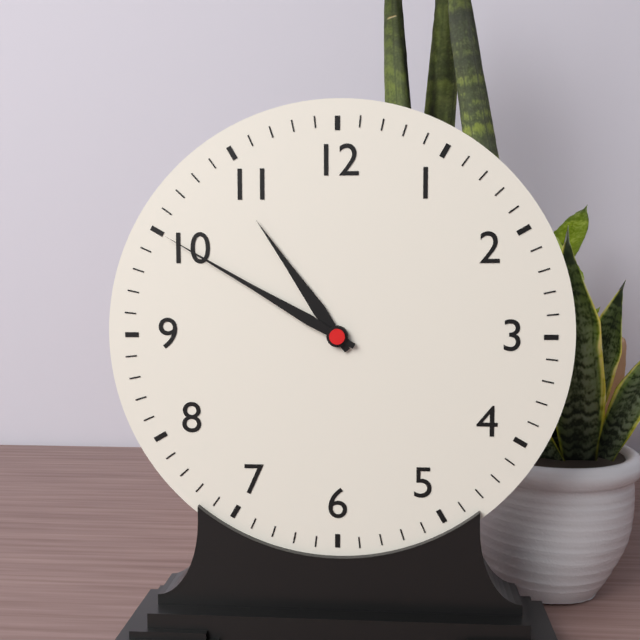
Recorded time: 10h50
